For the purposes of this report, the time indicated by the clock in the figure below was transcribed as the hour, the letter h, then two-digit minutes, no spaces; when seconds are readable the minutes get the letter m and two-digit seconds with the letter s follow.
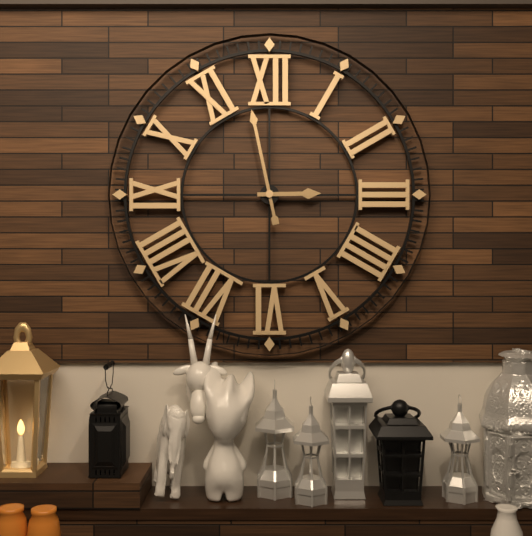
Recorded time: 2h58
